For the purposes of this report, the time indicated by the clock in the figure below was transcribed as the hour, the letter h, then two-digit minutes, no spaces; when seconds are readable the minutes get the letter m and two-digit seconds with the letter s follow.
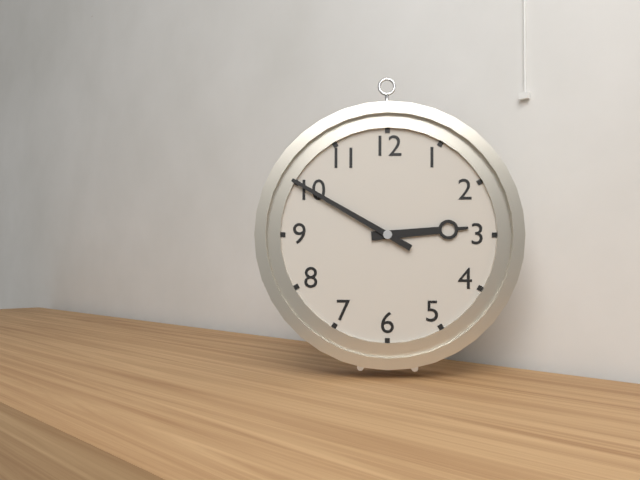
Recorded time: 2h50
